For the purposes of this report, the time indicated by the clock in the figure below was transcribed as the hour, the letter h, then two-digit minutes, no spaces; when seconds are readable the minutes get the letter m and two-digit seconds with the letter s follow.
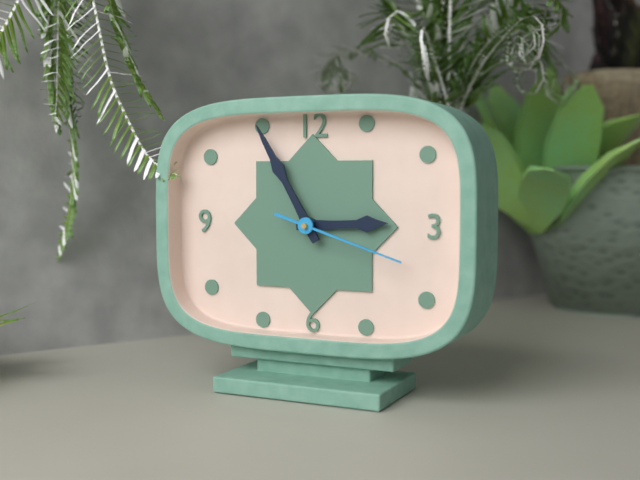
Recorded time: 2h55m18s
